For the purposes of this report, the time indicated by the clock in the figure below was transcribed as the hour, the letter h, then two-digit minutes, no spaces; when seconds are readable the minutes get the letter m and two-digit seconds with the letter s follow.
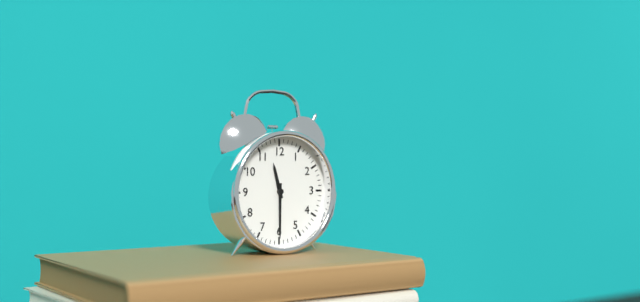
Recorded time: 11h30
